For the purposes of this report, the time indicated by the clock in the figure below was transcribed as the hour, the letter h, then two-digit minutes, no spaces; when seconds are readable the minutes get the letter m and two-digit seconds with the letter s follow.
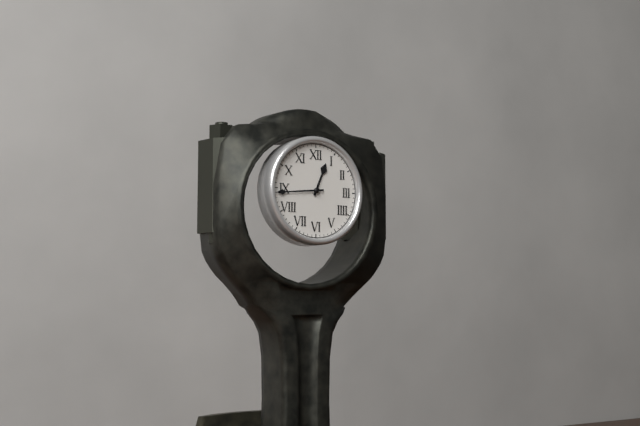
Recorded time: 12h44
